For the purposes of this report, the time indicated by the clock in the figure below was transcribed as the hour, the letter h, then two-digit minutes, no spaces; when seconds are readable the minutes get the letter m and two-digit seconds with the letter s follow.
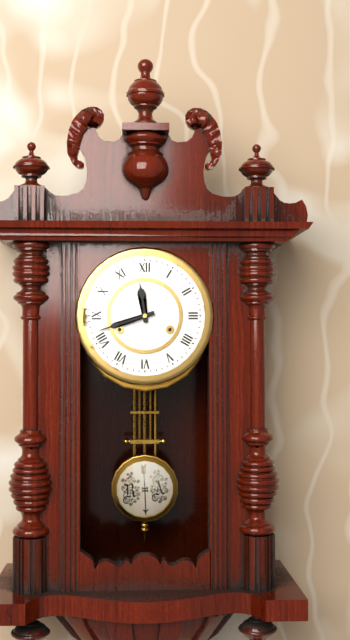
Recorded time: 11h42
